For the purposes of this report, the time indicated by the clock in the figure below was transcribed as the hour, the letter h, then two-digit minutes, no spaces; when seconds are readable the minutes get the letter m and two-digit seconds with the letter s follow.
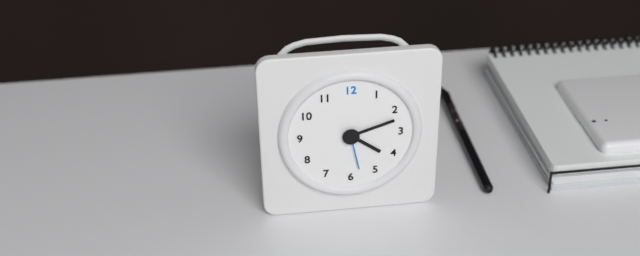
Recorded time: 4h12
